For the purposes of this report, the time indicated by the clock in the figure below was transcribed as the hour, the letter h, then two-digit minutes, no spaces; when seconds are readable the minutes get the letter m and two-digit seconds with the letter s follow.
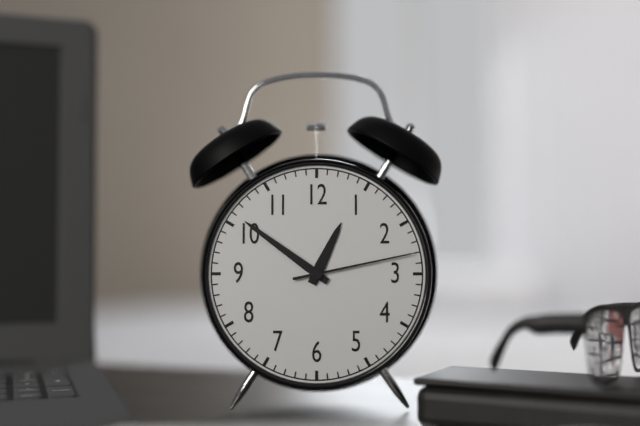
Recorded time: 12h51m13s
